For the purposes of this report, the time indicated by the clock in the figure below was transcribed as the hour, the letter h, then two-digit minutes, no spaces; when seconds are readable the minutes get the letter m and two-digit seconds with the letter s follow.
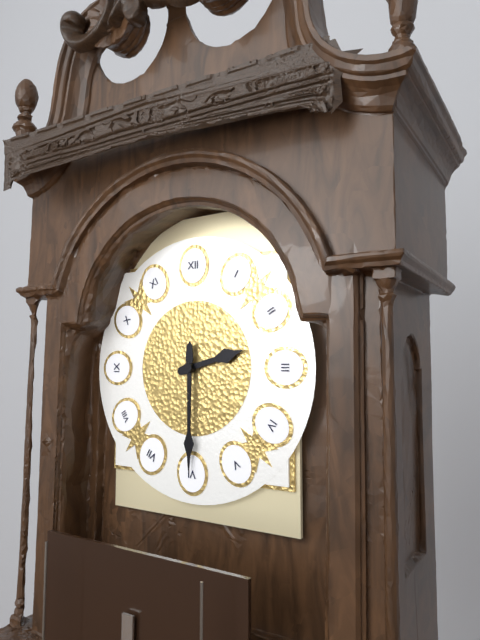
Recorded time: 2h30
